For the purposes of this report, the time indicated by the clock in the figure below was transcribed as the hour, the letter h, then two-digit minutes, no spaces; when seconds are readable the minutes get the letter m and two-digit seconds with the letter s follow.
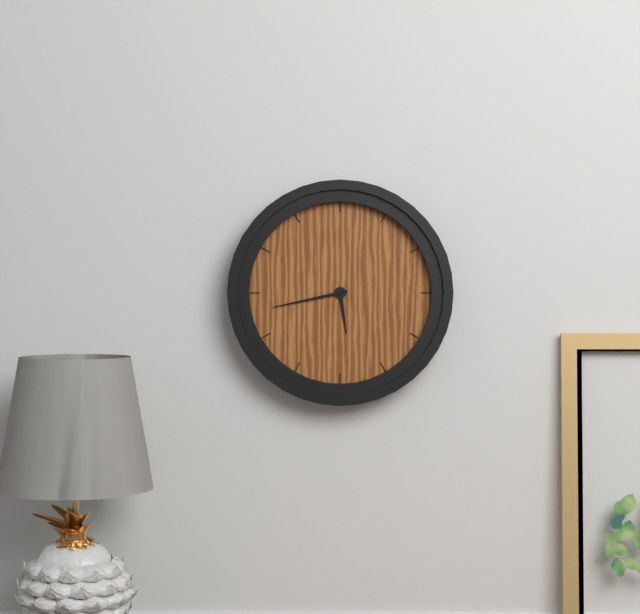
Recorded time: 5h43
